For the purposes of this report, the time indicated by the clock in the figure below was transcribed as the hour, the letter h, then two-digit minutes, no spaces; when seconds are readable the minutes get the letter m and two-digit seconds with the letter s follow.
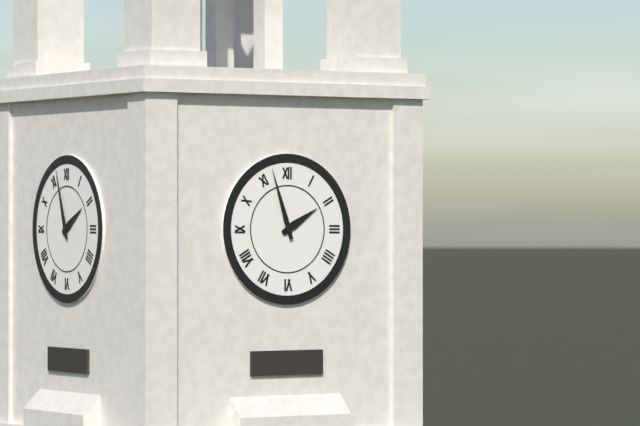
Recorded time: 1h57
